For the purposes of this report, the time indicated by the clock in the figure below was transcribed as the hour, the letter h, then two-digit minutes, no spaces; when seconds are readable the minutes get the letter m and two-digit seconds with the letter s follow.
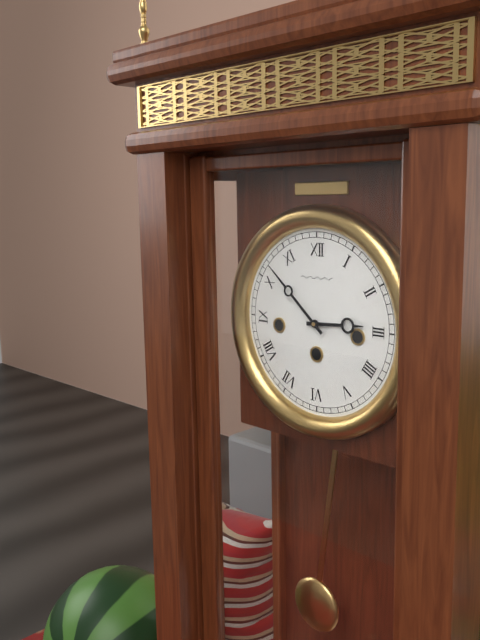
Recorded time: 2h52
